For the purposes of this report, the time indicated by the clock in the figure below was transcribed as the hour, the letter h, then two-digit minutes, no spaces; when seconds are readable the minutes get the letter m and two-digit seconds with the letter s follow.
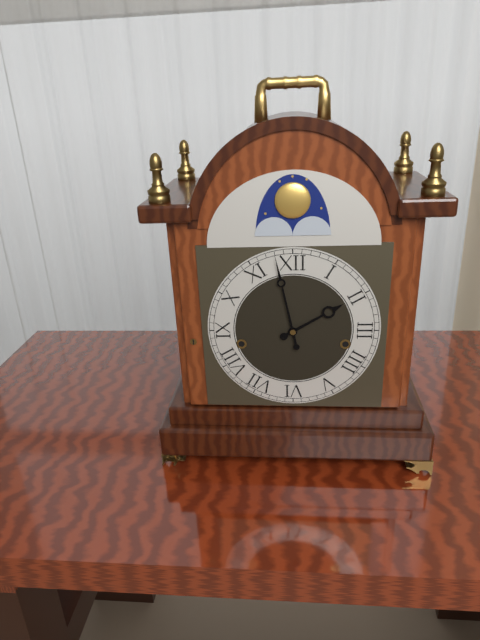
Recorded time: 1h58
